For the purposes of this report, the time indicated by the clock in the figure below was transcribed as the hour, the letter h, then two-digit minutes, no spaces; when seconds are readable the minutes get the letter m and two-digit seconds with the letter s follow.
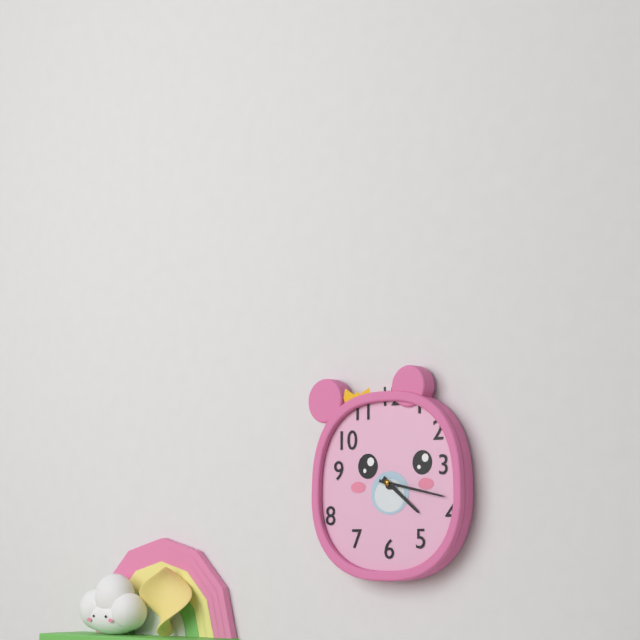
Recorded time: 4h17
